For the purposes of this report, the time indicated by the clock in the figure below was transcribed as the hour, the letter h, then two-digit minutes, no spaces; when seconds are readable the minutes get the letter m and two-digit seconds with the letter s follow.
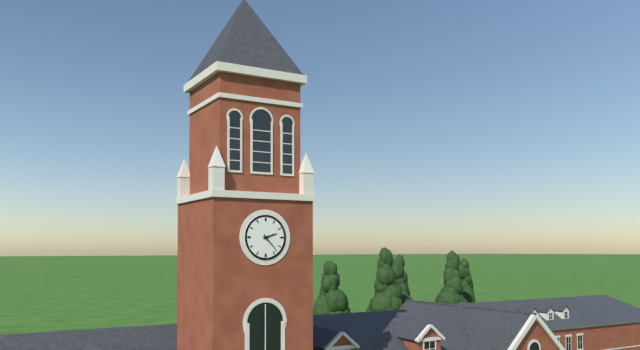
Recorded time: 2h23
